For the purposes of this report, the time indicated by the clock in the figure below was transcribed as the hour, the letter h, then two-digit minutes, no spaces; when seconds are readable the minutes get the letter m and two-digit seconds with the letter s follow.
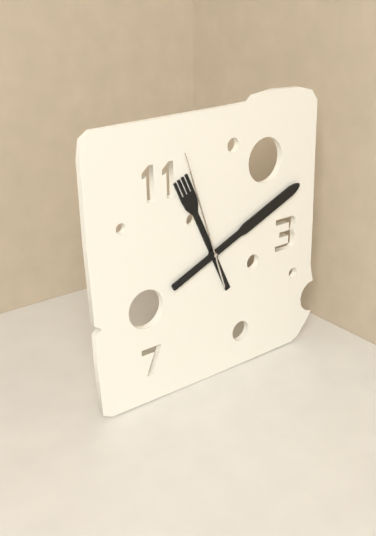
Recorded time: 11h11m57s
